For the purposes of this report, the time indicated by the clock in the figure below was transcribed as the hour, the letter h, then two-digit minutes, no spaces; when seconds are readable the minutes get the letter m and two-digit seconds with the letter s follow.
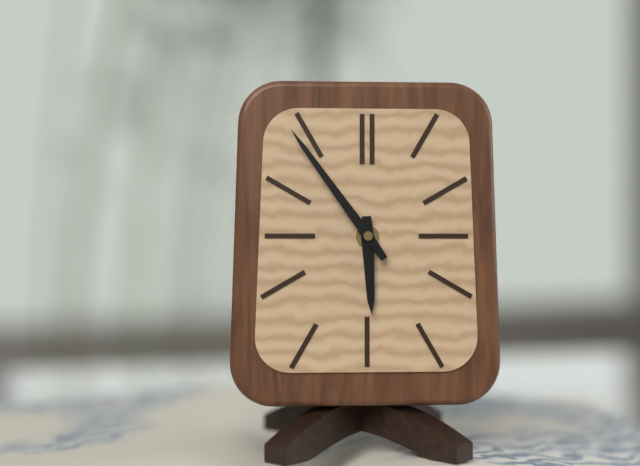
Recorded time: 5h54
